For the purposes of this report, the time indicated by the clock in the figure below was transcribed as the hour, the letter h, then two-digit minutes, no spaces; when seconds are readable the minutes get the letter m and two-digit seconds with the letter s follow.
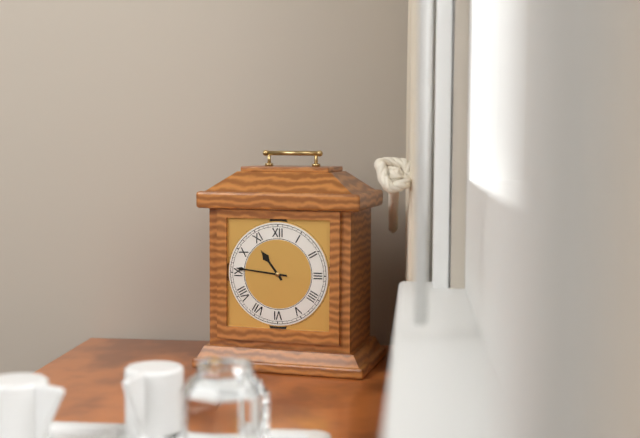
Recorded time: 10h46
